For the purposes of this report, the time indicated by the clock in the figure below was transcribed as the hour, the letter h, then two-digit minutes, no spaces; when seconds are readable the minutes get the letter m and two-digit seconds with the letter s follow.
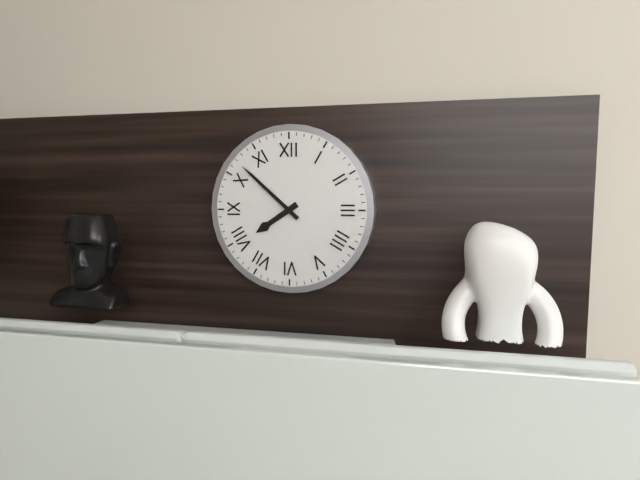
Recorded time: 7h52
